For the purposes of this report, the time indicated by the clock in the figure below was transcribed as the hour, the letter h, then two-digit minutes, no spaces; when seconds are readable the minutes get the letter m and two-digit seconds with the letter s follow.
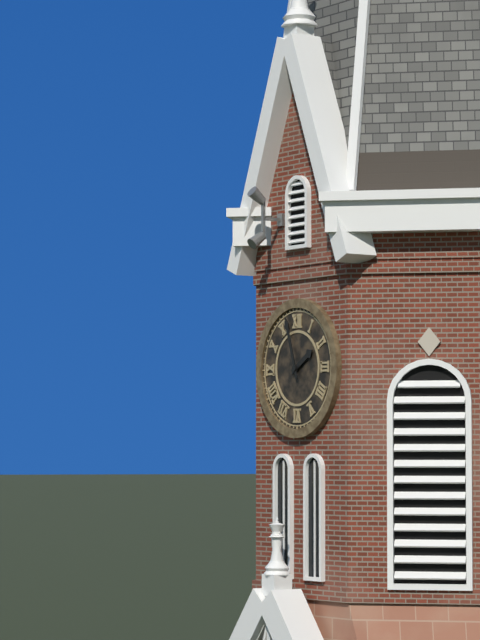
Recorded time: 1h57
